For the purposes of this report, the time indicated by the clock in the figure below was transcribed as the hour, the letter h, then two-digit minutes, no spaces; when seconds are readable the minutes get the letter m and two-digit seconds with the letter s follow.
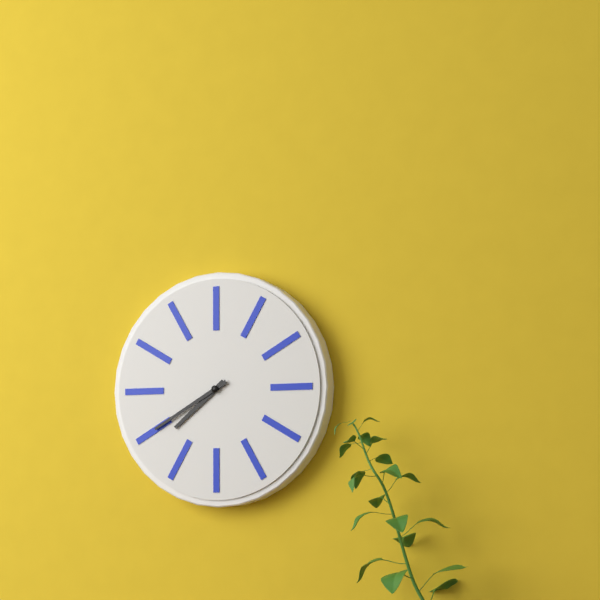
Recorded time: 7h40
